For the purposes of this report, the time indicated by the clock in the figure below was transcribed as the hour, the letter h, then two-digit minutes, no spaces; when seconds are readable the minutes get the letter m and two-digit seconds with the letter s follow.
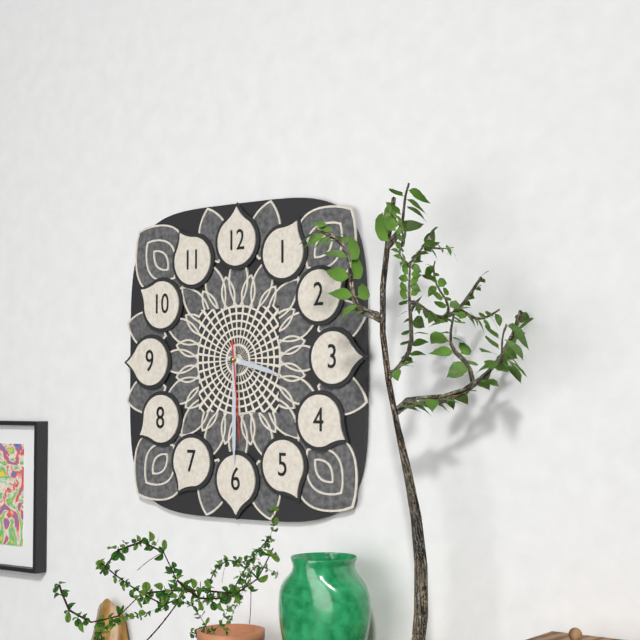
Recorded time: 3h30m29s
